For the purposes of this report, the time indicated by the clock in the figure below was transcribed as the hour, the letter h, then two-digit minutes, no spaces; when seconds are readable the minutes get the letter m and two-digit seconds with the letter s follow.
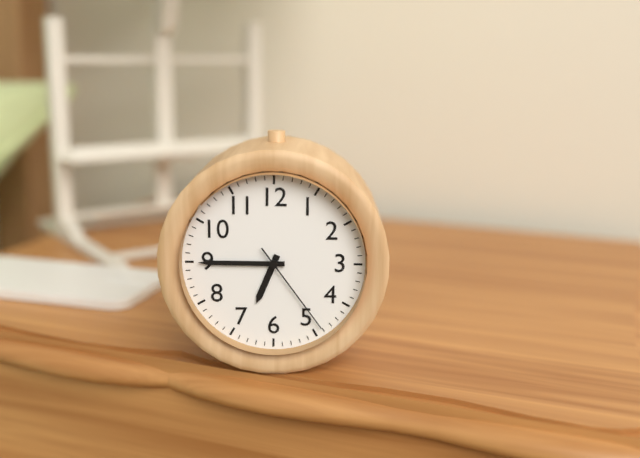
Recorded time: 6h45m24s
